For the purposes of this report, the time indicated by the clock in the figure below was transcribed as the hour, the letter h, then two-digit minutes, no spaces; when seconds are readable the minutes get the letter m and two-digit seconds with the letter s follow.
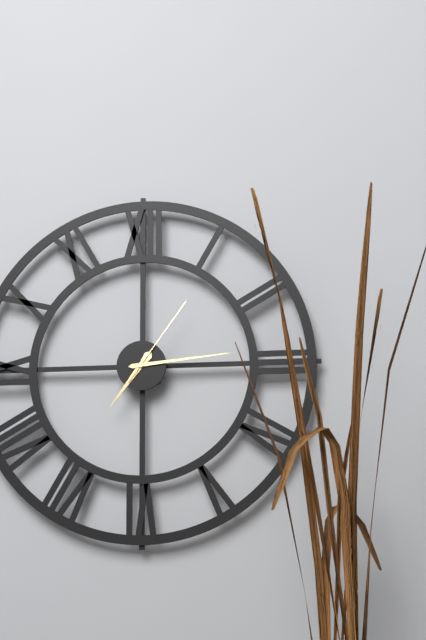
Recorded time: 7h14m06s
